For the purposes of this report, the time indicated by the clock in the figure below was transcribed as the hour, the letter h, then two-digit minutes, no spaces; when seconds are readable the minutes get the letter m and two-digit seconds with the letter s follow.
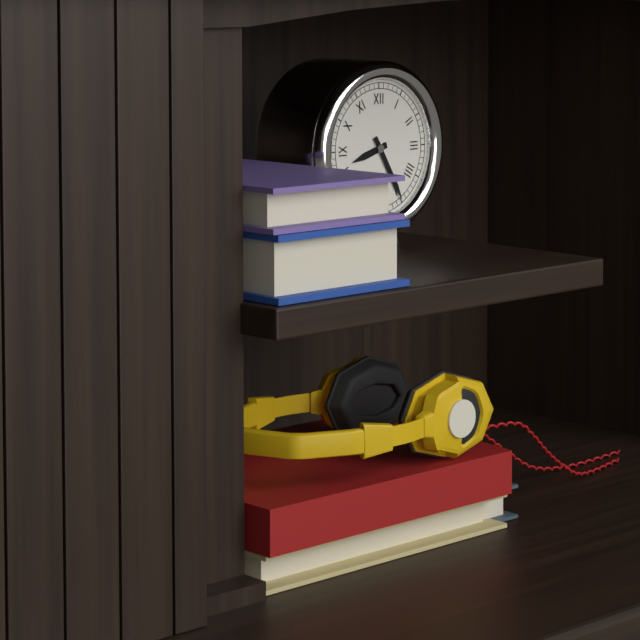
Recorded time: 8h25
